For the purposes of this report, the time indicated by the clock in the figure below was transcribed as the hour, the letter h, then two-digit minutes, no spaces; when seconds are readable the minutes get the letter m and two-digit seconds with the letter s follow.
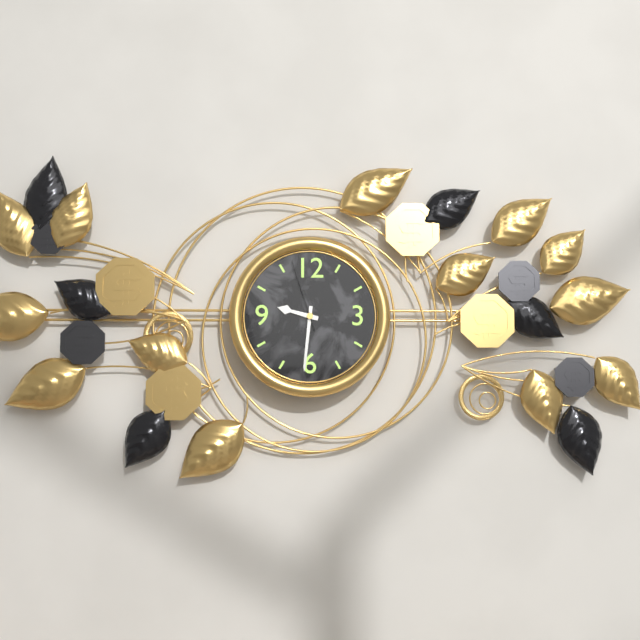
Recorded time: 9h31m57s
